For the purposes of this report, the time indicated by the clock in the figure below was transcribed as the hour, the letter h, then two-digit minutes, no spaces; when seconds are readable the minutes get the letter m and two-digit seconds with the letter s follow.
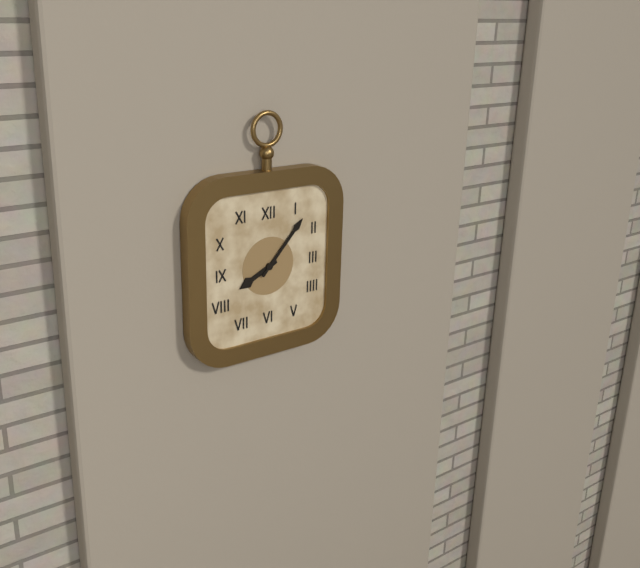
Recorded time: 8h07
